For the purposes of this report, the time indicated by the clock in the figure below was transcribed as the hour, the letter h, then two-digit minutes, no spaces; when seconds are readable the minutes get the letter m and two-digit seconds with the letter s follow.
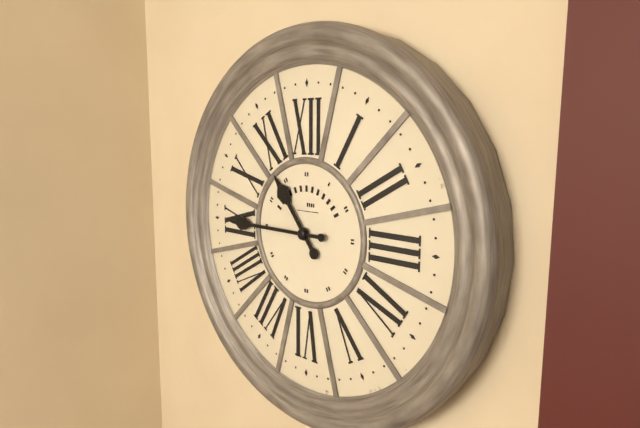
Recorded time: 10h45
